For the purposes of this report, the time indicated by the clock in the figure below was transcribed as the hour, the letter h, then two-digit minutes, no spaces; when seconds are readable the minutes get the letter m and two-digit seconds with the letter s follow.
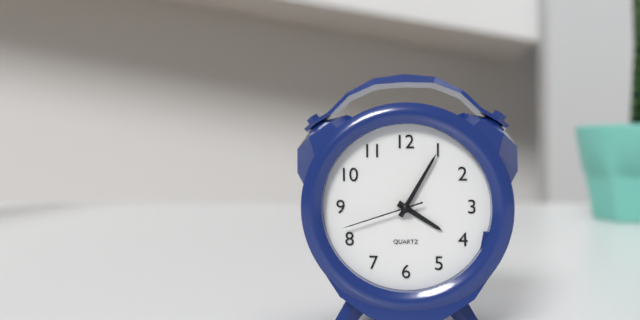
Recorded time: 4h05m42s
